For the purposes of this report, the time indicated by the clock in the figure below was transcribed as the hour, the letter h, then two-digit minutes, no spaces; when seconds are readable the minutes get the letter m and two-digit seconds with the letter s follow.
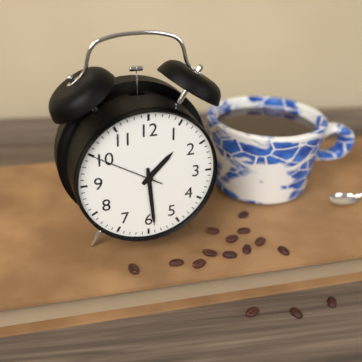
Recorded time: 1h29m50s
